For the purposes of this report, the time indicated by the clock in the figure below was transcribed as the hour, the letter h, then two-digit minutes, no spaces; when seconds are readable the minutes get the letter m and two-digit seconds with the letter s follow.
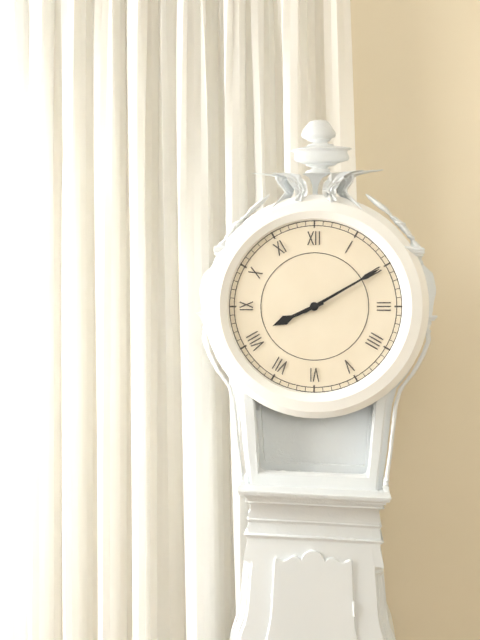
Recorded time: 8h10
